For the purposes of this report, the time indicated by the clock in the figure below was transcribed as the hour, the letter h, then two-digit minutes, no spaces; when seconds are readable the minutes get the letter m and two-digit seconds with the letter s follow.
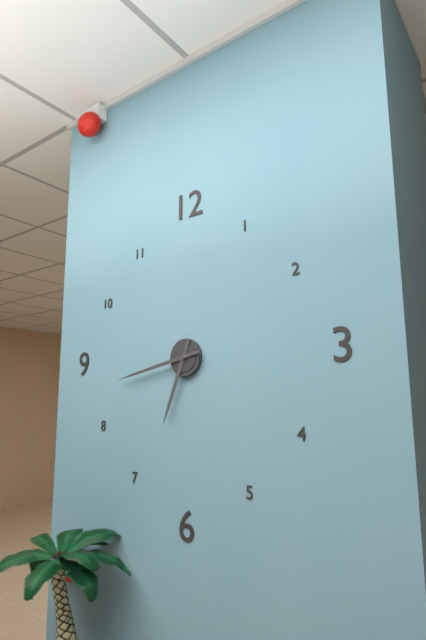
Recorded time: 6h43
